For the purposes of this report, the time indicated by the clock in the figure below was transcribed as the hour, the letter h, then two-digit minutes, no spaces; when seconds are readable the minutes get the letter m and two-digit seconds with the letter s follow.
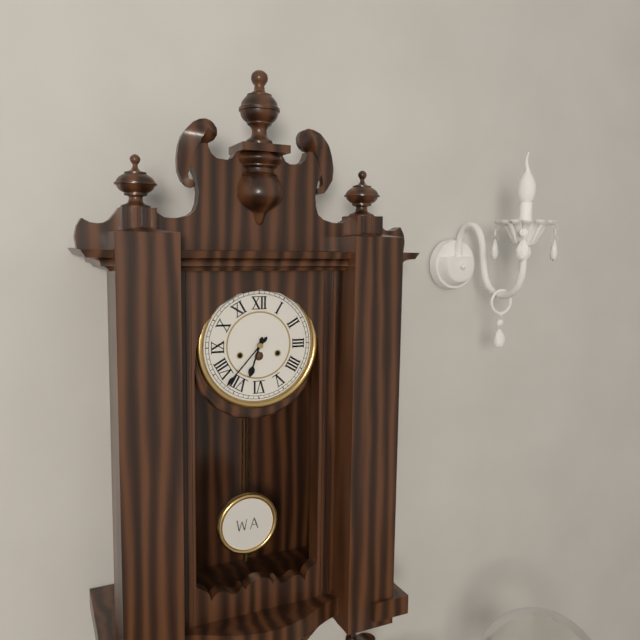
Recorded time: 6h37
